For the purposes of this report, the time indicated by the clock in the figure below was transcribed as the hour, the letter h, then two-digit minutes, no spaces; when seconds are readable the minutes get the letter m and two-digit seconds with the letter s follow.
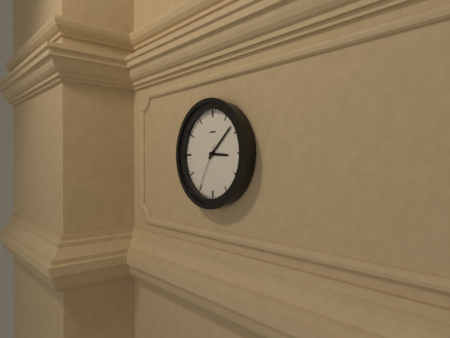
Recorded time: 3h08
